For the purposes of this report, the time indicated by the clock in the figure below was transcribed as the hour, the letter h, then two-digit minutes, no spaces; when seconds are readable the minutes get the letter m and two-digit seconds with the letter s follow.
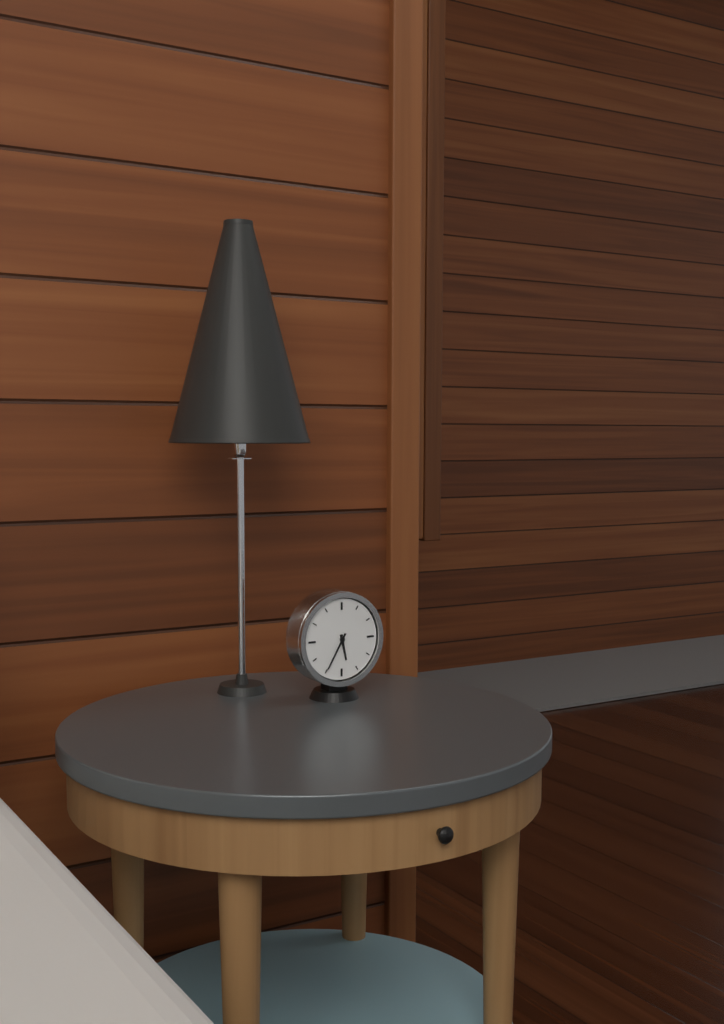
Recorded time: 5h35
